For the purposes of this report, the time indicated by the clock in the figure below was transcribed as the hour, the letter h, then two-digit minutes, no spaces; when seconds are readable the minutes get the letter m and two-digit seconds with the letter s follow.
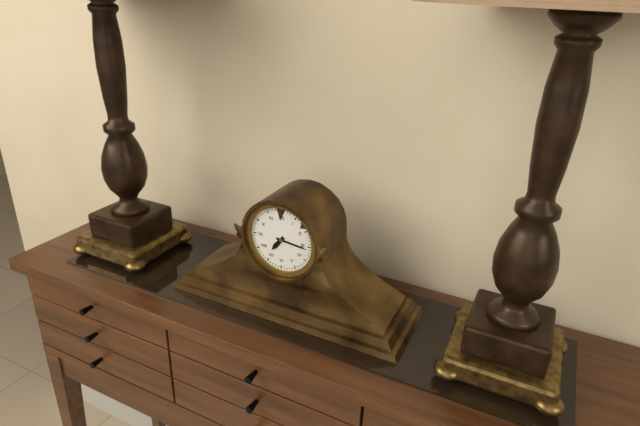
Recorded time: 7h16
